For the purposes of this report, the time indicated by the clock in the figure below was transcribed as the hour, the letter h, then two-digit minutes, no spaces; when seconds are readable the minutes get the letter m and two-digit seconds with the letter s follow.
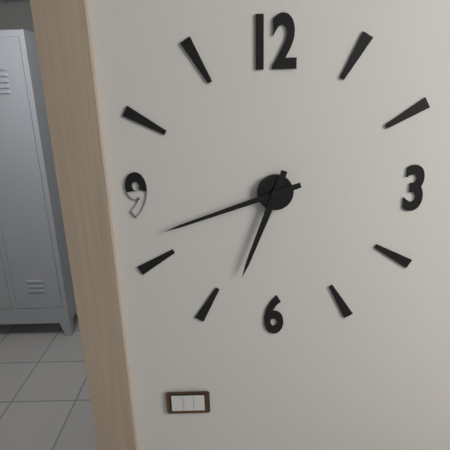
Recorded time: 6h42
